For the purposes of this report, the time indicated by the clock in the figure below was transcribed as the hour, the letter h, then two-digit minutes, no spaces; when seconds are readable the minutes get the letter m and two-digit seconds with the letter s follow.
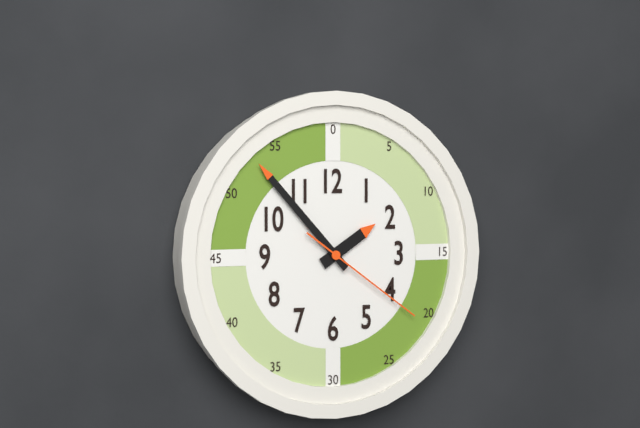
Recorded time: 1h53m21s
